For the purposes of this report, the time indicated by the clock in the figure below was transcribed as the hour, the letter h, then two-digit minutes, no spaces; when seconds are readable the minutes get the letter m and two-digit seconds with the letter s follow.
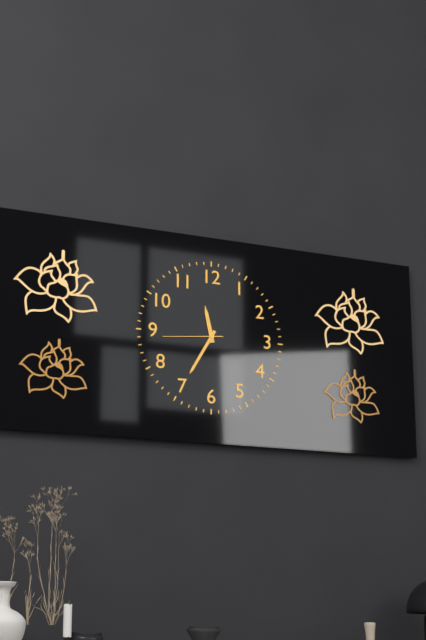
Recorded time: 11h35m44s
